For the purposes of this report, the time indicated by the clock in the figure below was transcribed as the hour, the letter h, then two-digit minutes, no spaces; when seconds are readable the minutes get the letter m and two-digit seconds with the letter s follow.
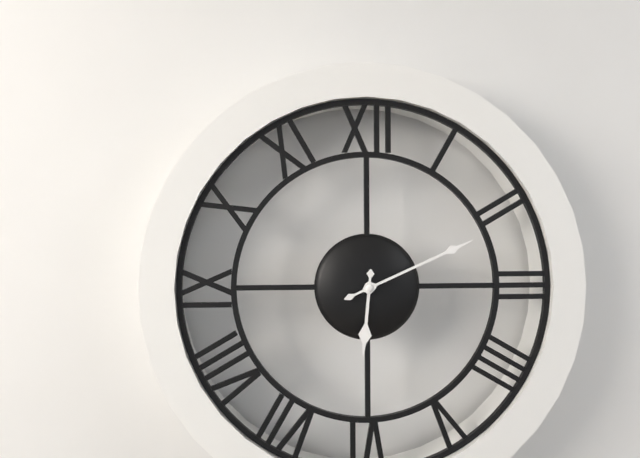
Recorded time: 6h11
